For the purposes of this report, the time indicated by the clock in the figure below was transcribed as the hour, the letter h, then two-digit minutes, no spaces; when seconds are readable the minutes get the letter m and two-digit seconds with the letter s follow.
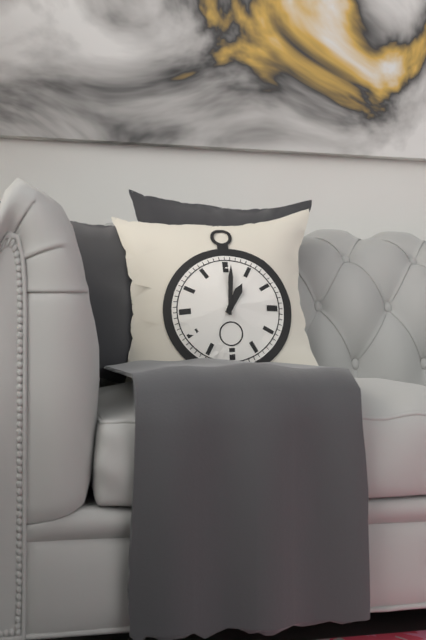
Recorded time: 1h01
